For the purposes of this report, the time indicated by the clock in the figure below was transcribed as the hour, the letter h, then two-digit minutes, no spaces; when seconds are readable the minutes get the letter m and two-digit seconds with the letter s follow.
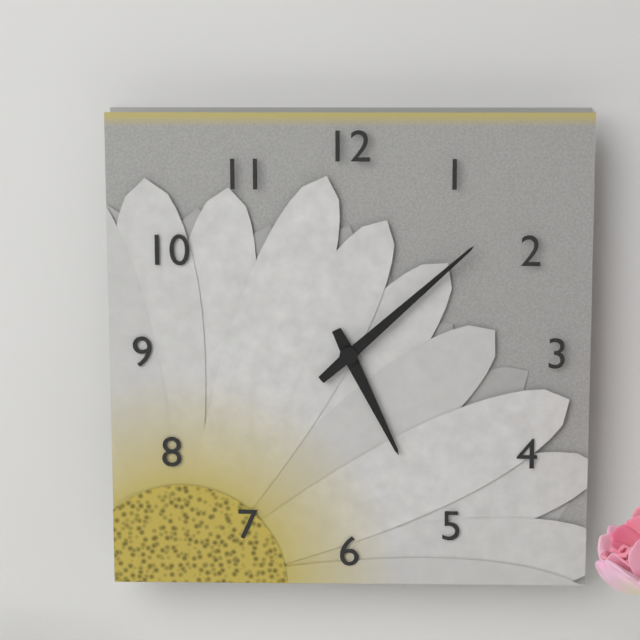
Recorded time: 5h08
